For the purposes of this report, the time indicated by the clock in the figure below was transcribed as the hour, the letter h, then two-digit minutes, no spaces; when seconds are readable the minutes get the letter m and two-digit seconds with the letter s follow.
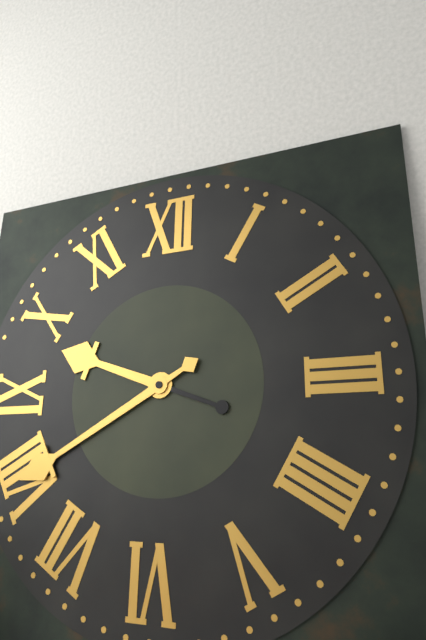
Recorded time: 9h40
